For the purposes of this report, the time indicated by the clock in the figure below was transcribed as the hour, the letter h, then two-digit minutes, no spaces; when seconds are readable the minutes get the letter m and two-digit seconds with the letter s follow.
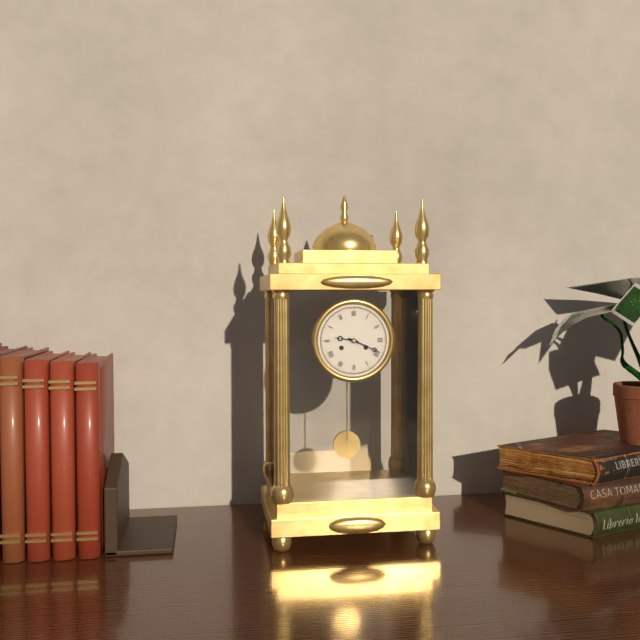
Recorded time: 9h19
